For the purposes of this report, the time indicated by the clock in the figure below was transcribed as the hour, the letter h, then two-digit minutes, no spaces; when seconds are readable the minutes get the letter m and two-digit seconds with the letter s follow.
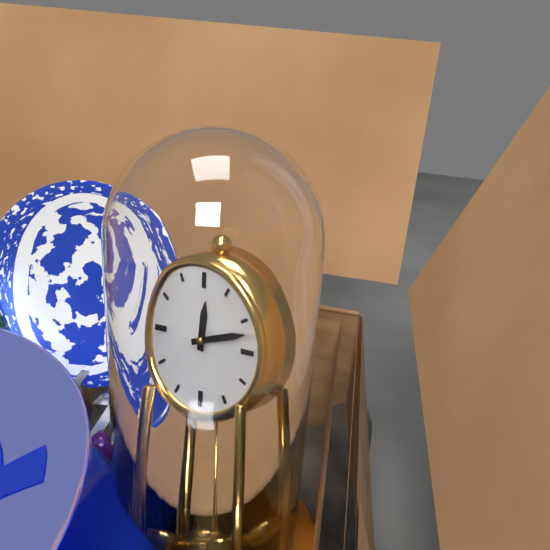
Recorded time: 12h12
